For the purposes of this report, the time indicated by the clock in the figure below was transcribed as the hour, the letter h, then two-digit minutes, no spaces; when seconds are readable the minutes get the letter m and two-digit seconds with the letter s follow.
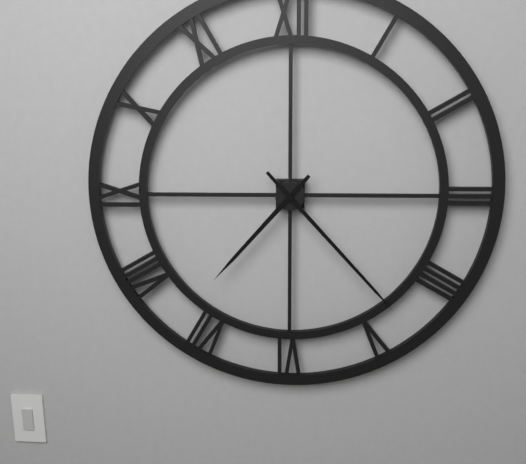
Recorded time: 7h23
